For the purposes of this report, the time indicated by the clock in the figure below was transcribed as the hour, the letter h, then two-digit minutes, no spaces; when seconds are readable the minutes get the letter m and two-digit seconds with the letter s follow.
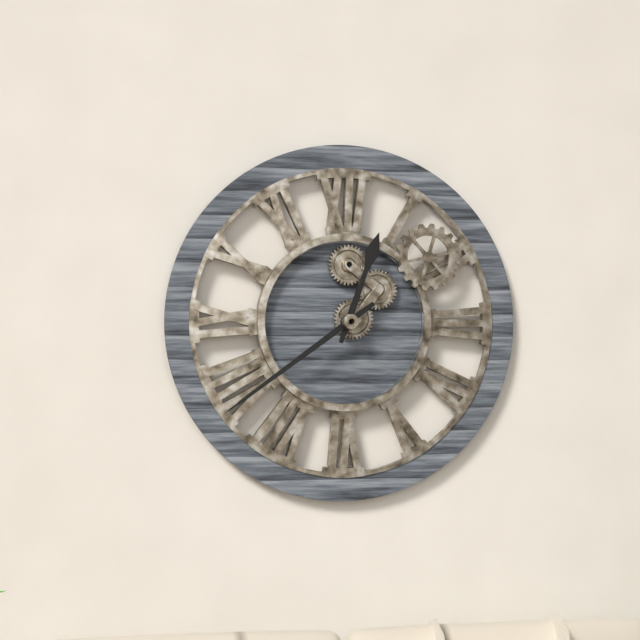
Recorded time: 12h39
